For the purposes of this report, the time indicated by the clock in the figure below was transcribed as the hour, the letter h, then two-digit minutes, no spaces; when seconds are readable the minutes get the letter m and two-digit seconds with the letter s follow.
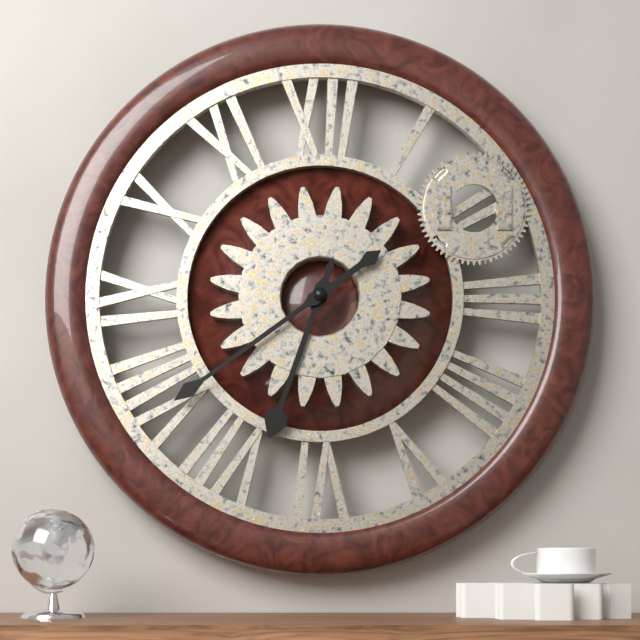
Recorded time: 6h39
